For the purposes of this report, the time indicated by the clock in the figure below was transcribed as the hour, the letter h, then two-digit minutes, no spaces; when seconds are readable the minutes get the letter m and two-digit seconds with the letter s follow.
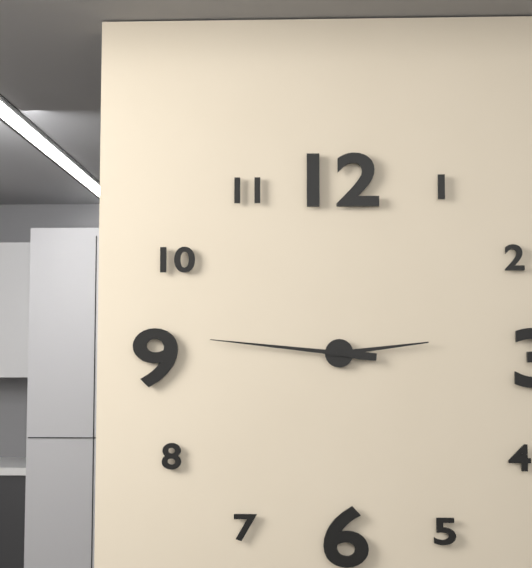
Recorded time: 2h46
